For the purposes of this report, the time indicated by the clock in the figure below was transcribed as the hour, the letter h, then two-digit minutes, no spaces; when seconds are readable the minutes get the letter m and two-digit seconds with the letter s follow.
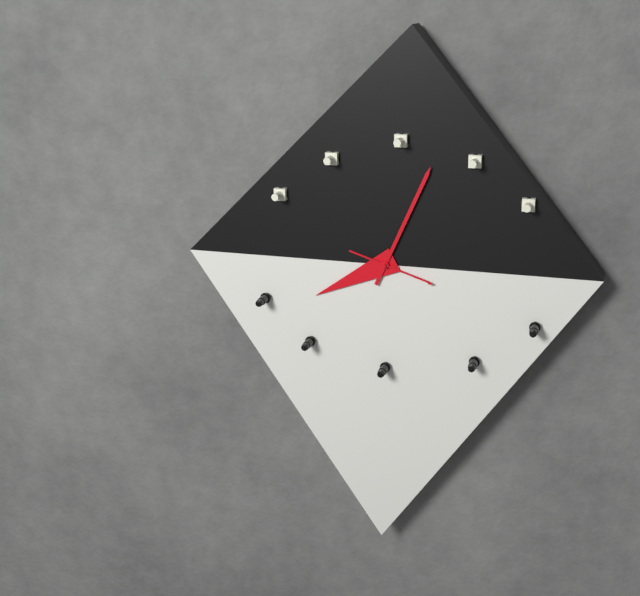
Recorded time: 8h04m18s
